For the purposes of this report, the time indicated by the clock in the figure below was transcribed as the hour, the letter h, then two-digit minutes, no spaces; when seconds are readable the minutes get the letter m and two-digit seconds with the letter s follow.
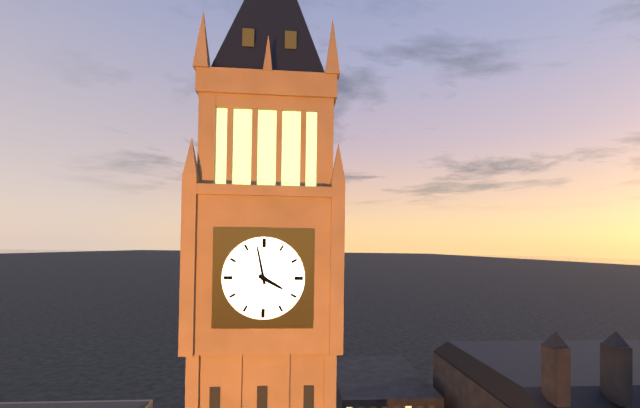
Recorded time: 3h58
